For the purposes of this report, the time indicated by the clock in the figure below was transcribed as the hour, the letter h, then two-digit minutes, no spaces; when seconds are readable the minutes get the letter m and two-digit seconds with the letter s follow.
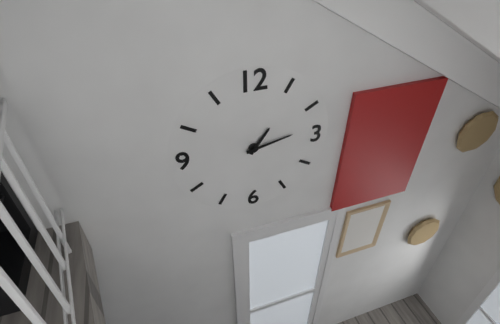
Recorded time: 1h13
